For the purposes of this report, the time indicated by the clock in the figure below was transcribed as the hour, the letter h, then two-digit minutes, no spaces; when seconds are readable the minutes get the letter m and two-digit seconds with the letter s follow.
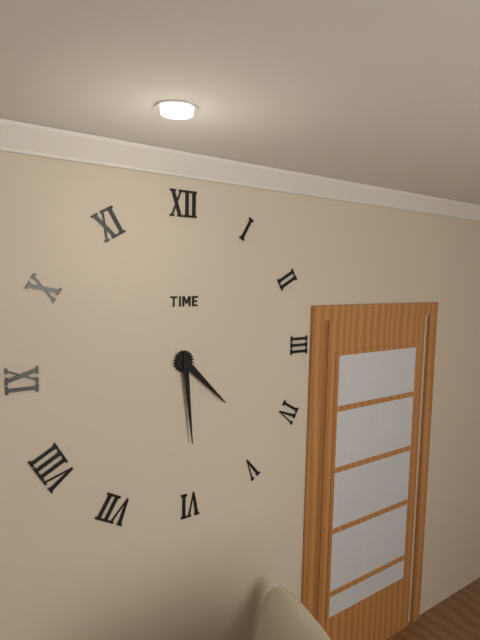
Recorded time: 4h29
